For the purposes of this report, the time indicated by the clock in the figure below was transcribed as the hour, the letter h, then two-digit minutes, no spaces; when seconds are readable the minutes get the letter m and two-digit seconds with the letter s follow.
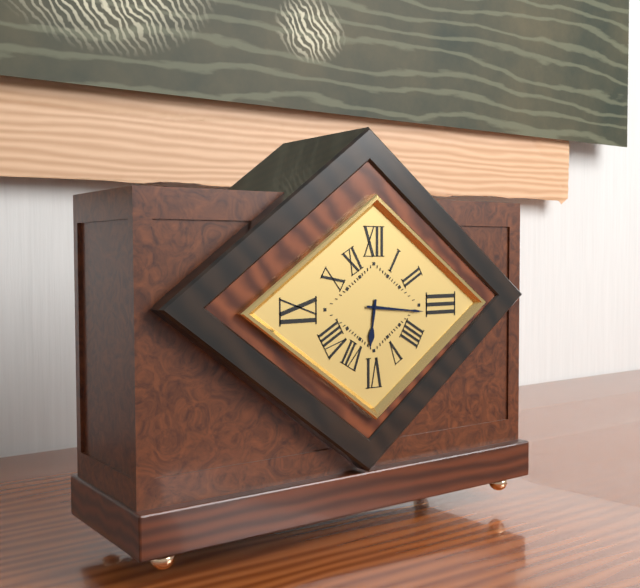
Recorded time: 6h16
